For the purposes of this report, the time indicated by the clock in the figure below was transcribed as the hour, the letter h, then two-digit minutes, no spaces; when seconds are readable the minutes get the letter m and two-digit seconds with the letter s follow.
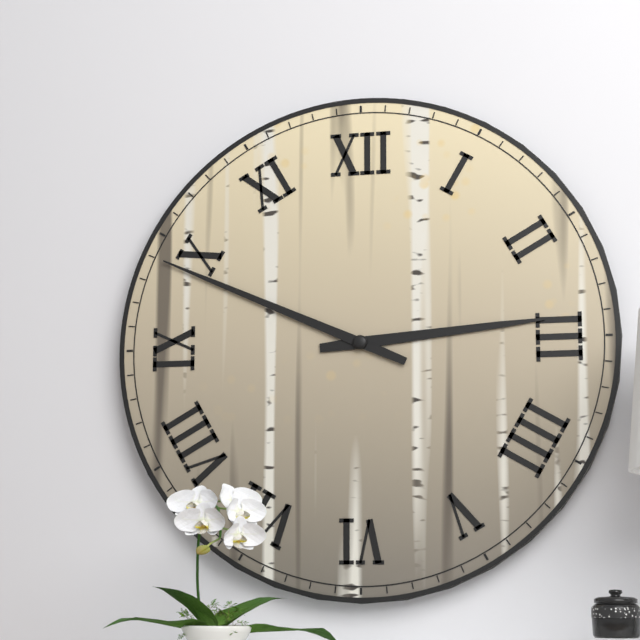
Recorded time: 2h49
